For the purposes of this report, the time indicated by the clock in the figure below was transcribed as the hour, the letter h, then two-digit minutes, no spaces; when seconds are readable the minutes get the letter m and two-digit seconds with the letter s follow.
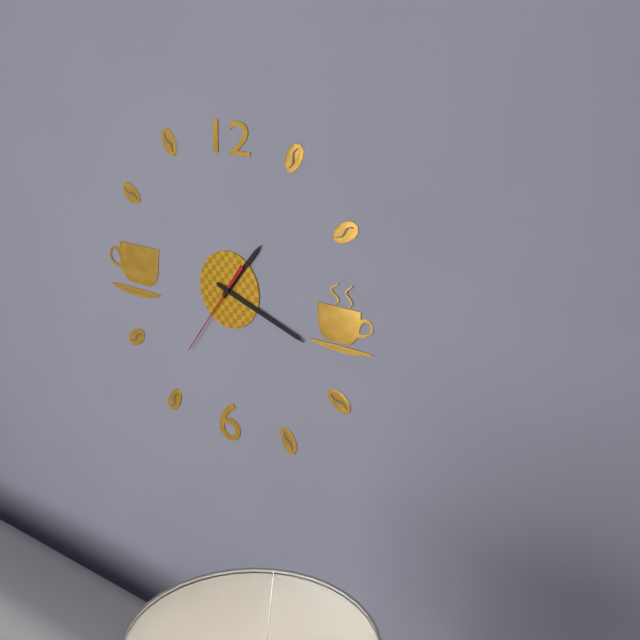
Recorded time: 1h18m36s
